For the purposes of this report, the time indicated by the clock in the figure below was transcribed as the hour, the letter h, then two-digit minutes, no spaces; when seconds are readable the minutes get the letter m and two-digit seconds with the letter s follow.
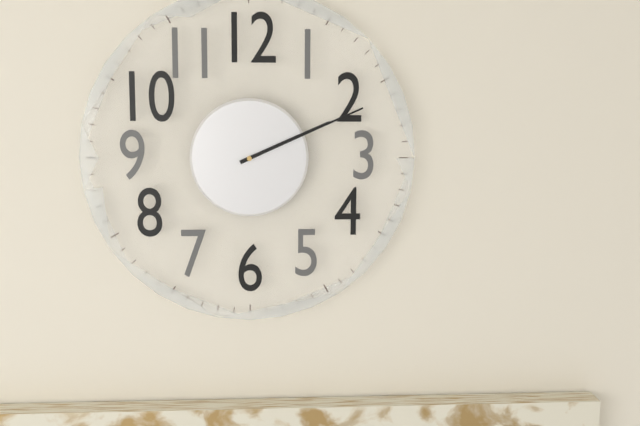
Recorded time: 2h11
